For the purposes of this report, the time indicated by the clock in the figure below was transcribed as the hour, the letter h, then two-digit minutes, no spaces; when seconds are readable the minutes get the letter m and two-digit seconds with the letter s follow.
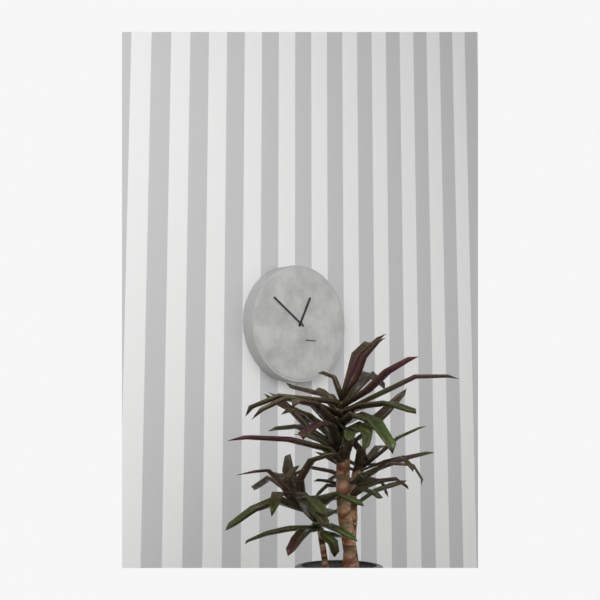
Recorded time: 12h51
